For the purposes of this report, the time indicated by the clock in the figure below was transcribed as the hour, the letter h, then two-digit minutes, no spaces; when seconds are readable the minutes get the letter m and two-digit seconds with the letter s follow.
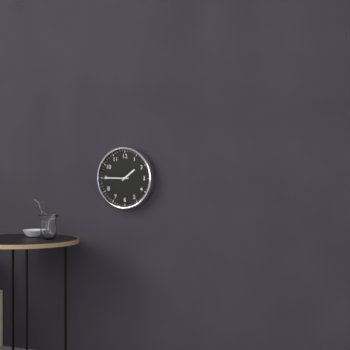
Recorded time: 1h45
